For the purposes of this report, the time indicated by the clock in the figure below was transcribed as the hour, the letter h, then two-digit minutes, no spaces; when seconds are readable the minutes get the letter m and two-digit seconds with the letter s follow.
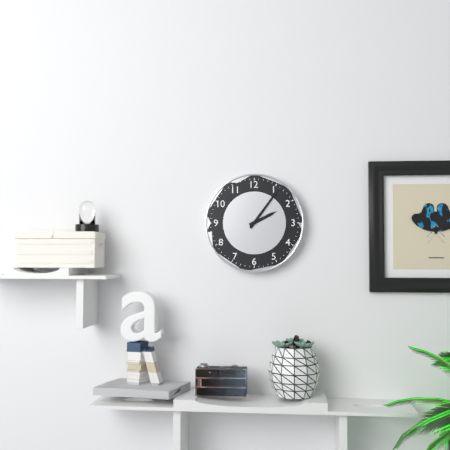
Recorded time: 2h06
